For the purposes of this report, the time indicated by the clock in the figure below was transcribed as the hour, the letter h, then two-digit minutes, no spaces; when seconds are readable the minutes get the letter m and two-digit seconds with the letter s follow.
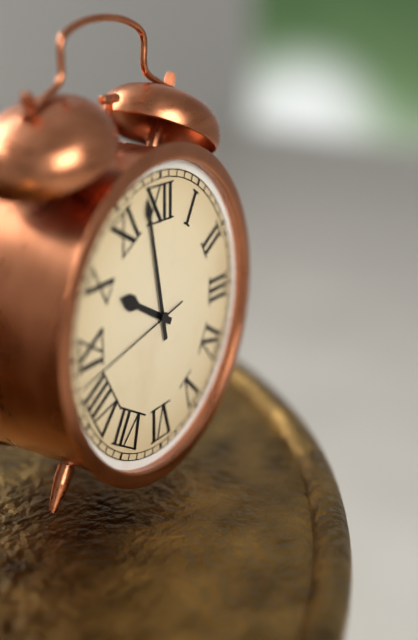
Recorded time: 9h58m43s
